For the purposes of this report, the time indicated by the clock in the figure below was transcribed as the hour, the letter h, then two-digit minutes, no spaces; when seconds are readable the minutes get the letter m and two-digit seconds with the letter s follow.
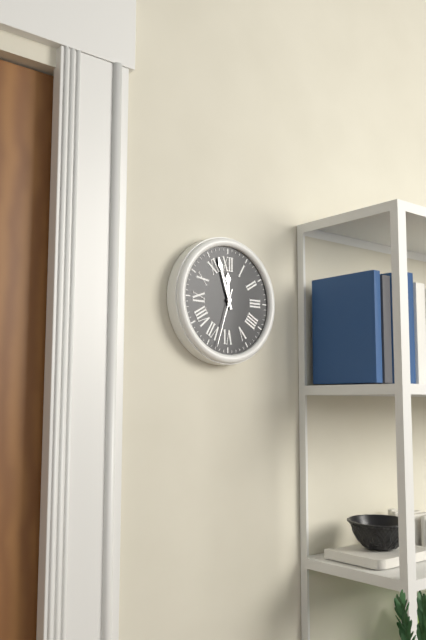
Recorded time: 11h57m33s
